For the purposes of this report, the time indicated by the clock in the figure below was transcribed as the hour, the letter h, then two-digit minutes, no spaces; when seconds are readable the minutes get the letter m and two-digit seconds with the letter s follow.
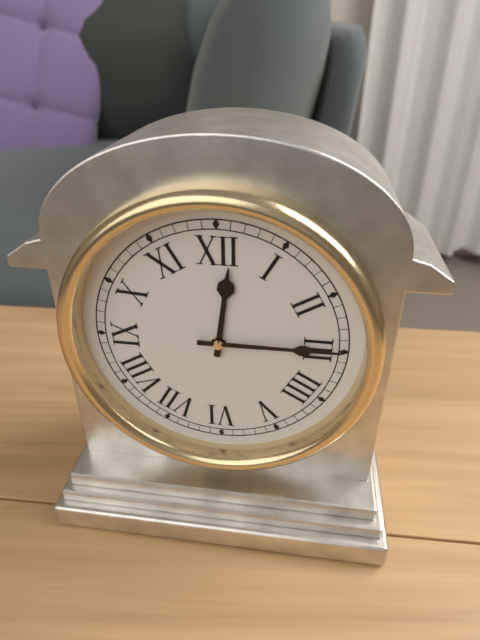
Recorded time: 12h15
